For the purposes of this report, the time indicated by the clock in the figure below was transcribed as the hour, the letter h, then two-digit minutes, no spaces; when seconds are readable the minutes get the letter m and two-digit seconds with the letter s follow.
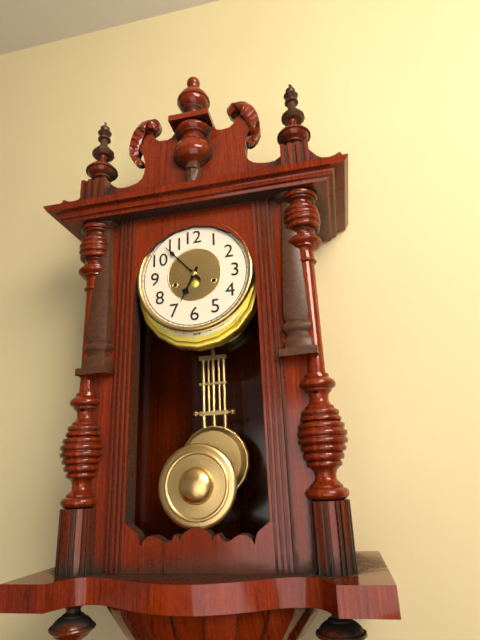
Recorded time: 6h53
